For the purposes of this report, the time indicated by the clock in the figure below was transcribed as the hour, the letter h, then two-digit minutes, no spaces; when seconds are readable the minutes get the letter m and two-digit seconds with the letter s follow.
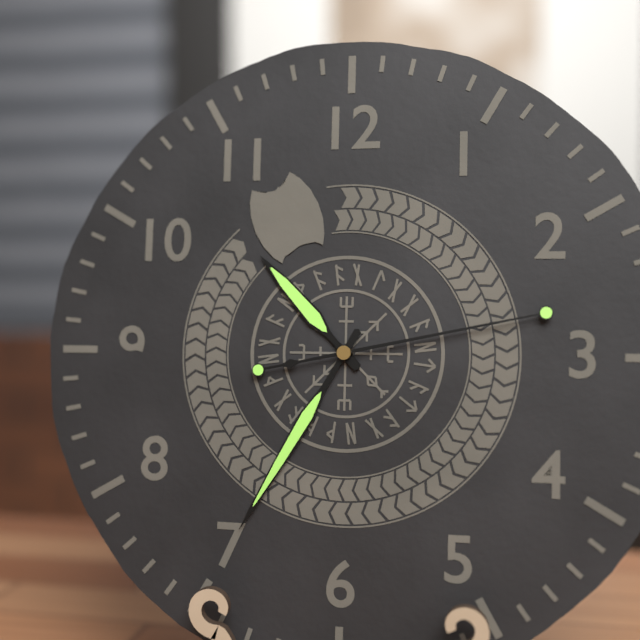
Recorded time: 10h35m13s
